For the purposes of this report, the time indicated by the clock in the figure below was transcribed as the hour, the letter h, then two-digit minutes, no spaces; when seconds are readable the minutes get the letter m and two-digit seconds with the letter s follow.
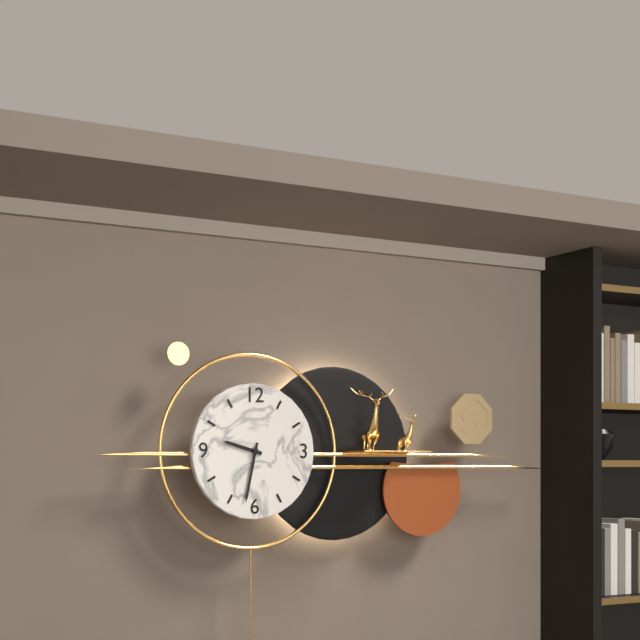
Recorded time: 9h32
